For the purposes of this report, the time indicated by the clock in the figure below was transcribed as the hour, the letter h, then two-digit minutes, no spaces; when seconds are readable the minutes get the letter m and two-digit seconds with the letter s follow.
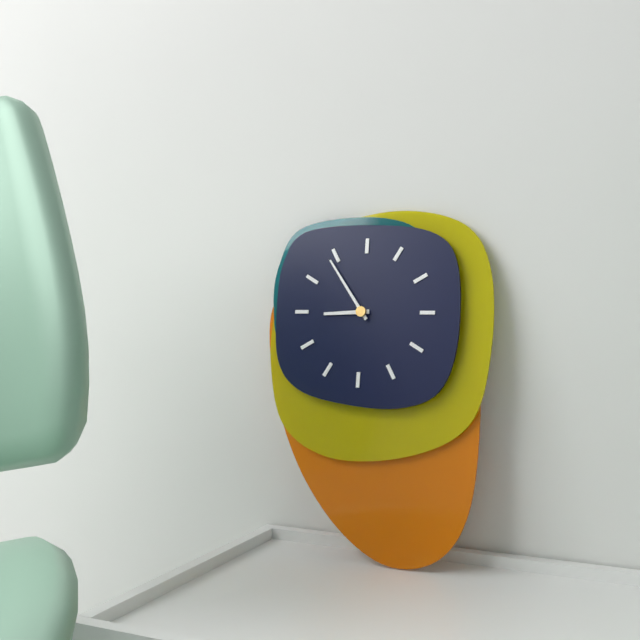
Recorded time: 8h54
